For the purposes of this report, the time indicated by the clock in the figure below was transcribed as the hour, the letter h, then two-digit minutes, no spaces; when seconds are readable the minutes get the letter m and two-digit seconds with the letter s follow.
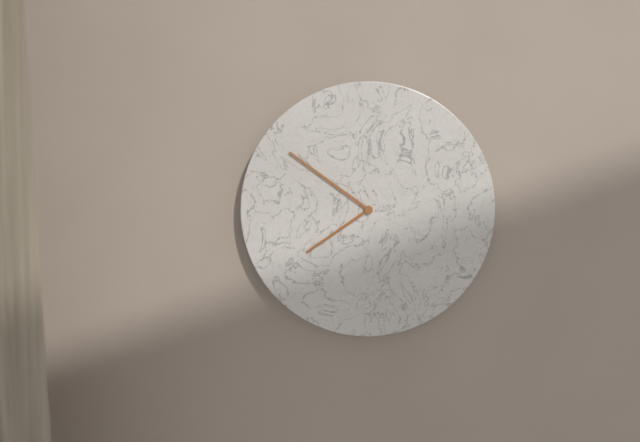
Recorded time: 7h51
